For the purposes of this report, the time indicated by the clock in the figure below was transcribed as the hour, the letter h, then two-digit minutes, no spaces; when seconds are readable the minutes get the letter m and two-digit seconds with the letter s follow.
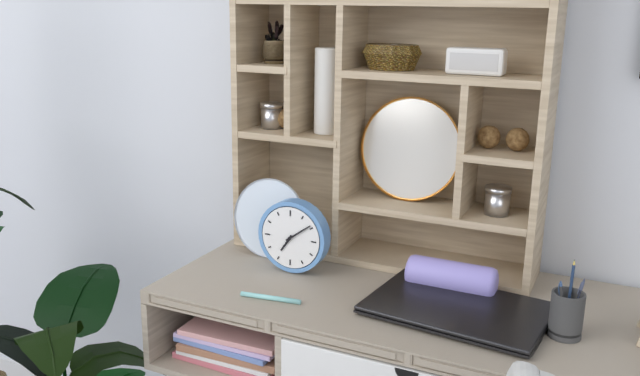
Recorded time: 7h09
